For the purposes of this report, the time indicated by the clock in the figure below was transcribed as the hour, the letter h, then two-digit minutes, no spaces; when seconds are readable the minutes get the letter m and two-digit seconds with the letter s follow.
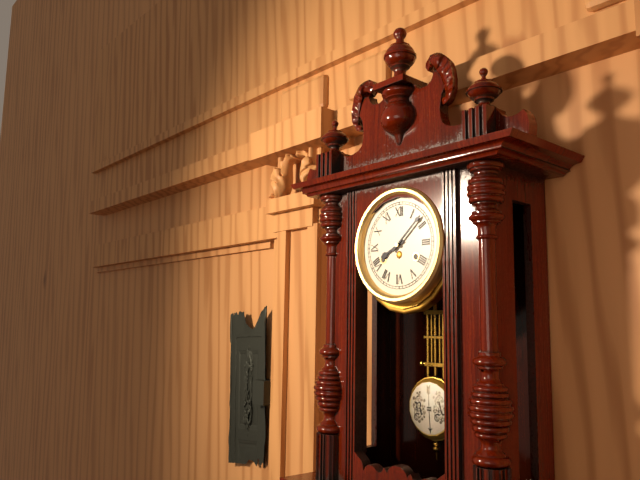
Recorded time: 8h08
